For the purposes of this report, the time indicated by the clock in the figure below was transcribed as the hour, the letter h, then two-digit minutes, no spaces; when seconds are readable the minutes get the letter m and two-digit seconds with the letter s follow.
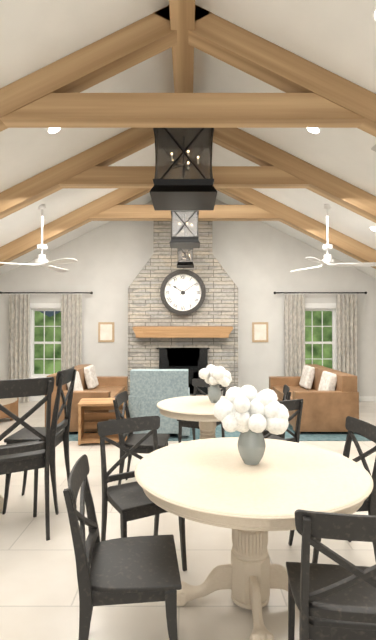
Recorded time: 10h09
